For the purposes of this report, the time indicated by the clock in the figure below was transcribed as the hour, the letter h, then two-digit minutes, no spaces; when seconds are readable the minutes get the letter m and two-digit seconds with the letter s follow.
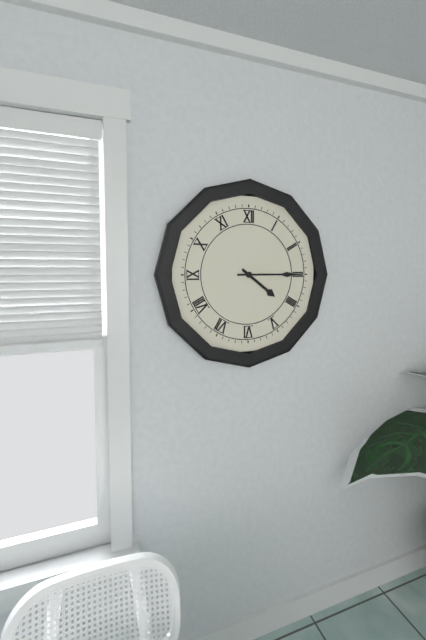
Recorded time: 4h15
